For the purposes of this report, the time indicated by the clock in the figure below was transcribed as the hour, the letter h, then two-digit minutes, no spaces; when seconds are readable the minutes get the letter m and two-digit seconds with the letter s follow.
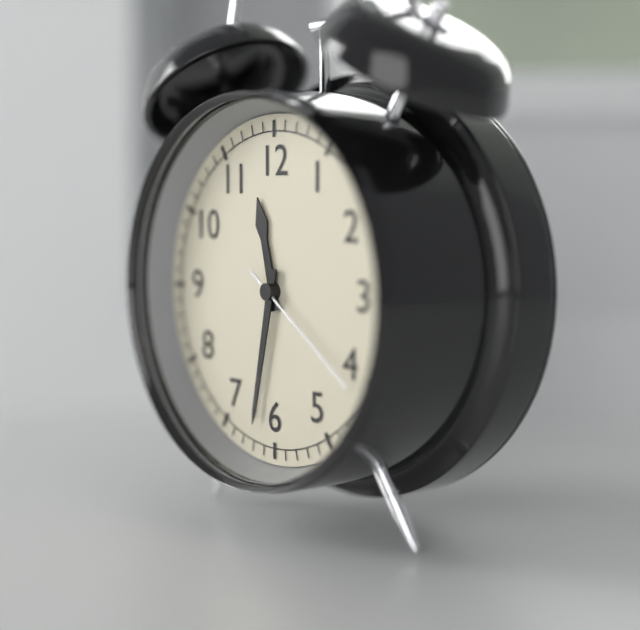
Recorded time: 11h32m21s
